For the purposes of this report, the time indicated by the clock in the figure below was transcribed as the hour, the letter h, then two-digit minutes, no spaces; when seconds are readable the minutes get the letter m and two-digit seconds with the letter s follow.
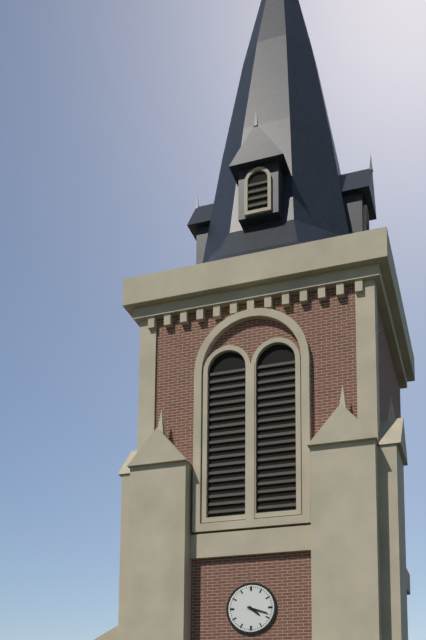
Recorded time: 4h18
